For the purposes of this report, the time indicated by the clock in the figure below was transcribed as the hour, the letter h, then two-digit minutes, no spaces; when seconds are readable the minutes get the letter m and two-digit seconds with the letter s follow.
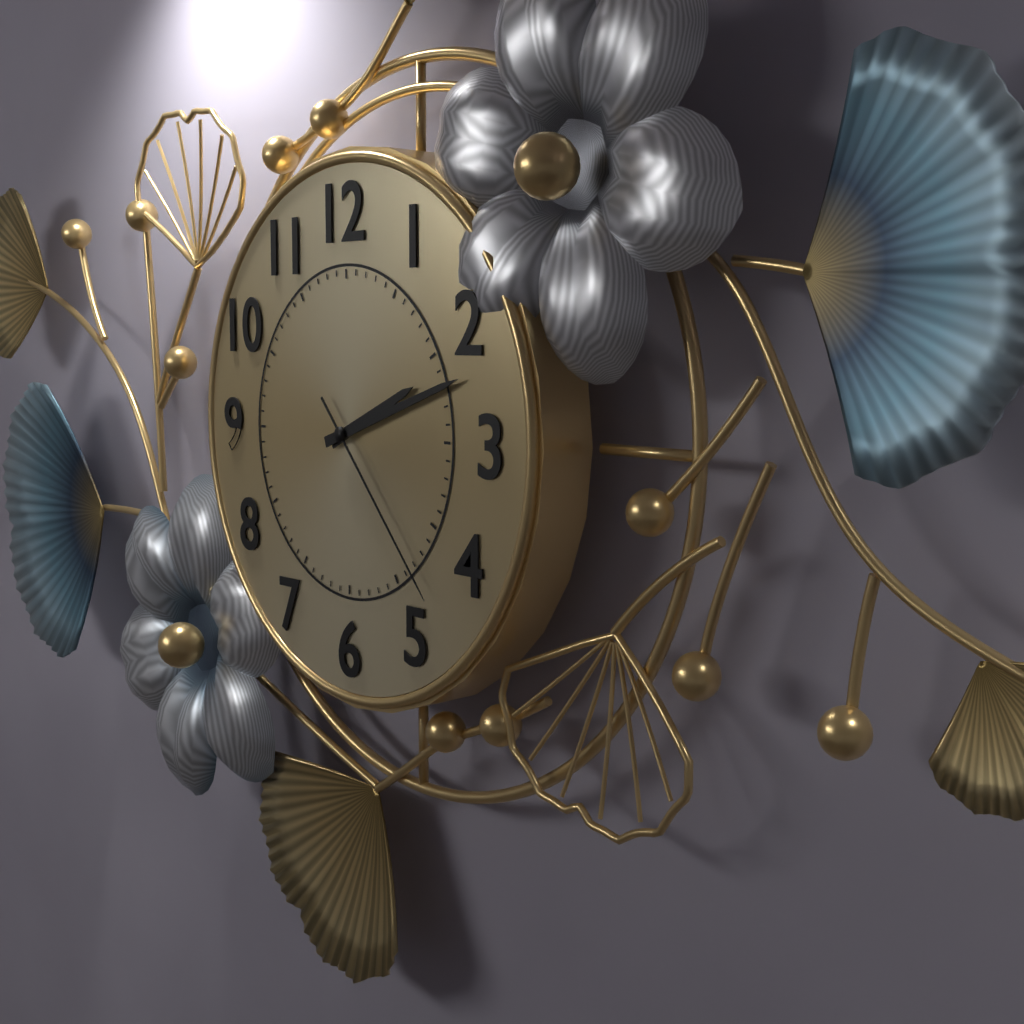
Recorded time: 2h12m23s
